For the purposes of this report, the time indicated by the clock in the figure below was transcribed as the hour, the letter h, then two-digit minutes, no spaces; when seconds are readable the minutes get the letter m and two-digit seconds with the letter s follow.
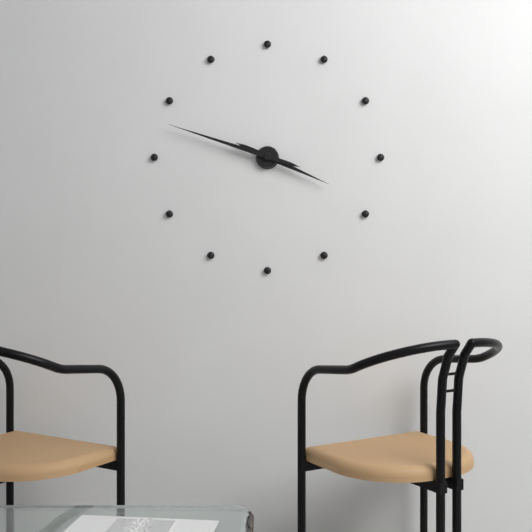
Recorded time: 3h48
